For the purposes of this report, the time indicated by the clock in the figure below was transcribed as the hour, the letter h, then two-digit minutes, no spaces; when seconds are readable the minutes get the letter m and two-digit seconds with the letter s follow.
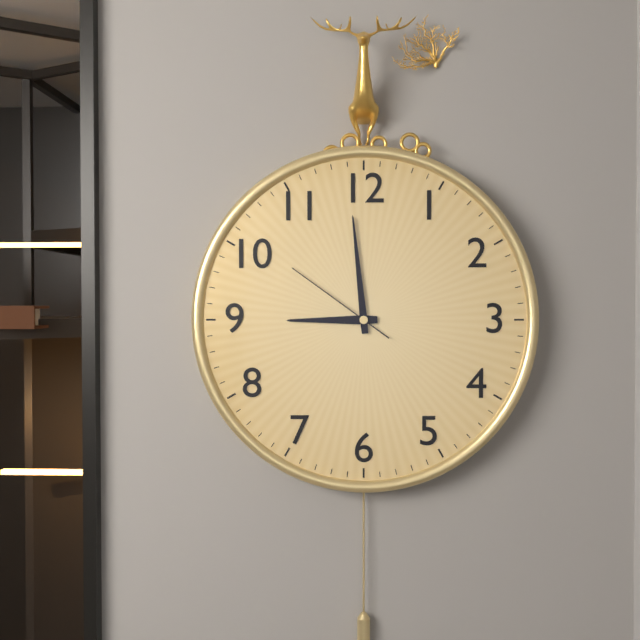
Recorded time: 8h59m51s
